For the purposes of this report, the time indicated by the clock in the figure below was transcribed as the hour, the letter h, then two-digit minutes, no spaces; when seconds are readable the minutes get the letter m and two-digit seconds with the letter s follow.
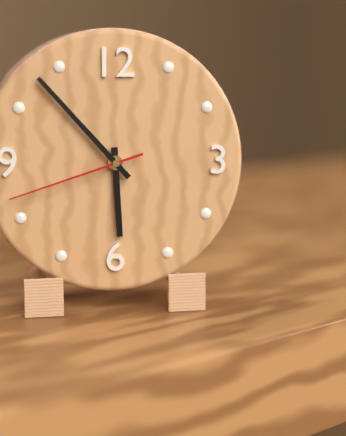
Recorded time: 5h53m42s
